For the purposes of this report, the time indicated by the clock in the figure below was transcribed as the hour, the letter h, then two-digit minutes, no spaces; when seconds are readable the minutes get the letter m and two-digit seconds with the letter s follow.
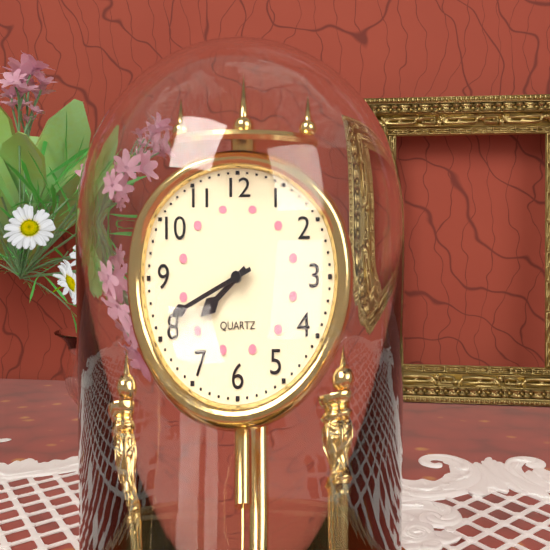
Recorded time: 7h41
